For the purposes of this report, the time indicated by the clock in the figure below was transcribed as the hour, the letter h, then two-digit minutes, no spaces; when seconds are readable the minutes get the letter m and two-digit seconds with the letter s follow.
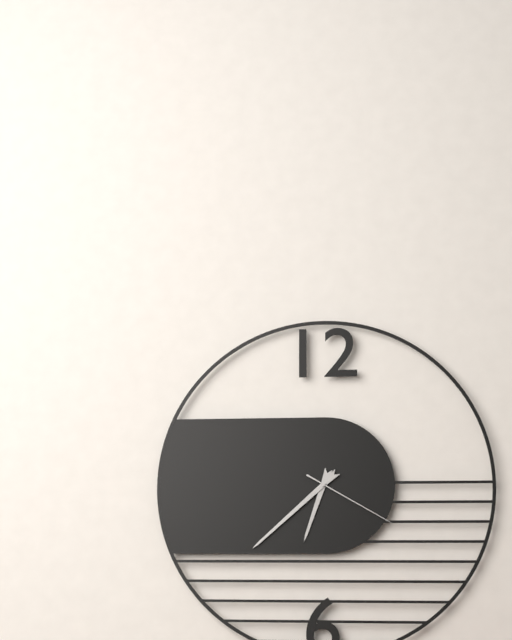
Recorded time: 6h38m20s
